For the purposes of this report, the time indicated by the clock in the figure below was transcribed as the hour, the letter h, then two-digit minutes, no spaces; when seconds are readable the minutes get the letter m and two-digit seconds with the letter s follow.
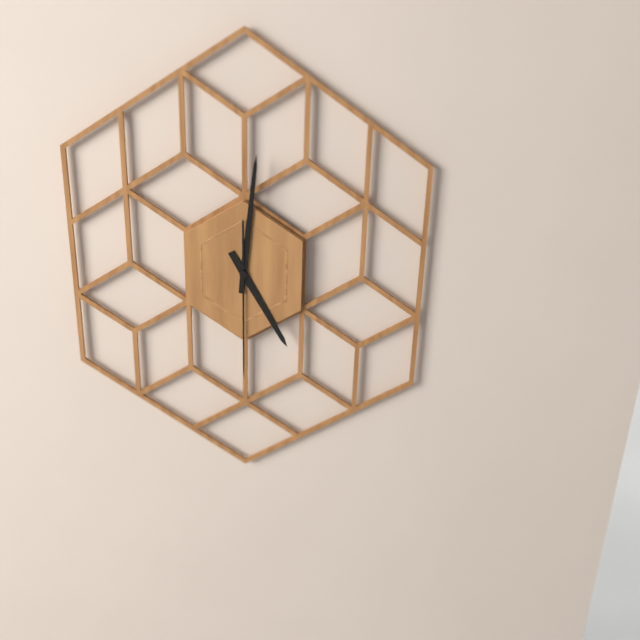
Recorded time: 5h01m30s
